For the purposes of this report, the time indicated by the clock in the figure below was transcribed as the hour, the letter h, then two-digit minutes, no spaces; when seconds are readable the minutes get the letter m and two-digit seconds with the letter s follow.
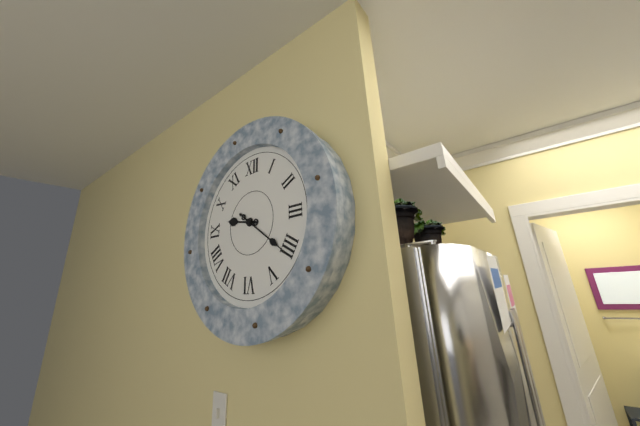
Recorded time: 9h21
